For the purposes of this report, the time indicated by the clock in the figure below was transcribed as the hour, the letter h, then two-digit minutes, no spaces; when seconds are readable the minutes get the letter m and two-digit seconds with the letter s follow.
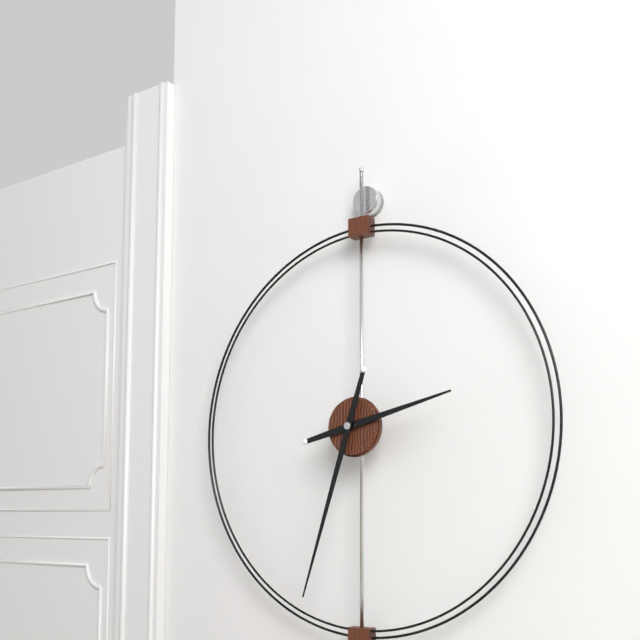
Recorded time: 2h33
